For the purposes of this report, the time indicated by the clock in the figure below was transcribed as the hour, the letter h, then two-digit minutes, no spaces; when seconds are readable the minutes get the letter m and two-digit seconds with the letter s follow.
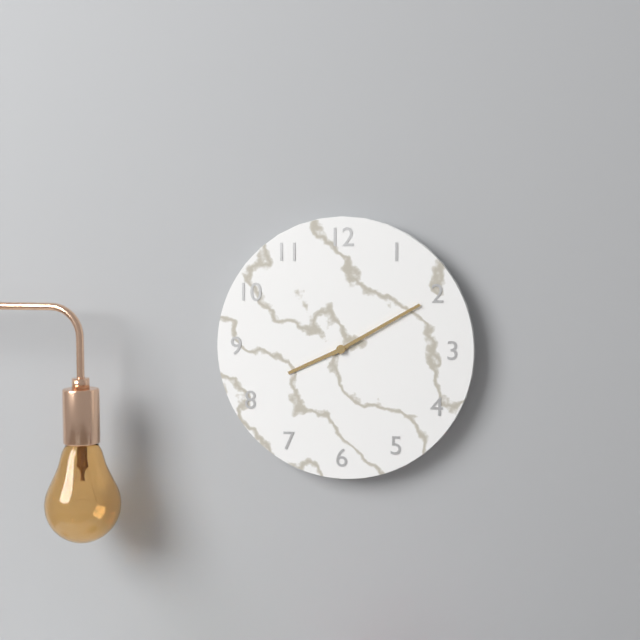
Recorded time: 8h10
